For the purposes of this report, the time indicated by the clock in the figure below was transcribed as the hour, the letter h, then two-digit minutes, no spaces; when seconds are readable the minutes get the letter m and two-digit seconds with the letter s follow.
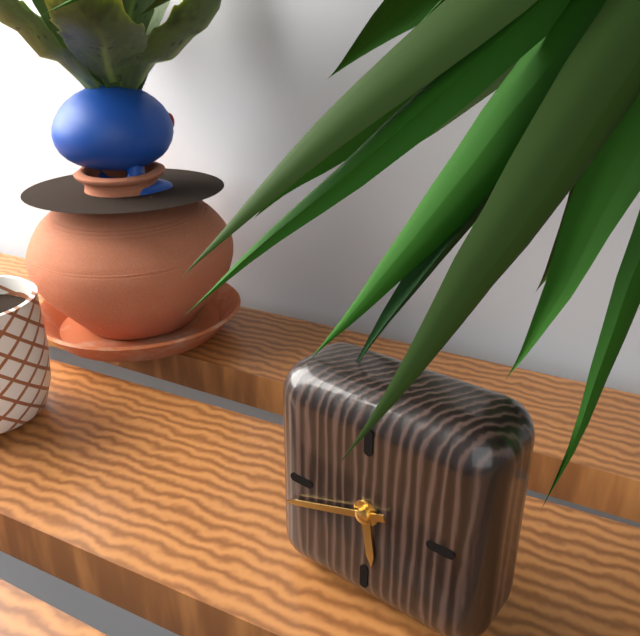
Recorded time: 5h42
